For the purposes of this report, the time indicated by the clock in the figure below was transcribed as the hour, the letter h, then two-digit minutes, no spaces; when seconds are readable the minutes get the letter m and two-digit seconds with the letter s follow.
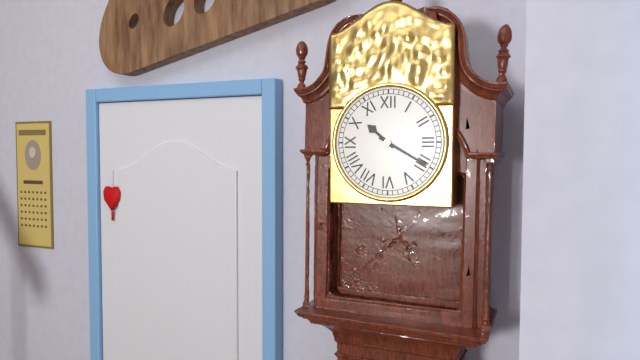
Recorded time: 10h20
